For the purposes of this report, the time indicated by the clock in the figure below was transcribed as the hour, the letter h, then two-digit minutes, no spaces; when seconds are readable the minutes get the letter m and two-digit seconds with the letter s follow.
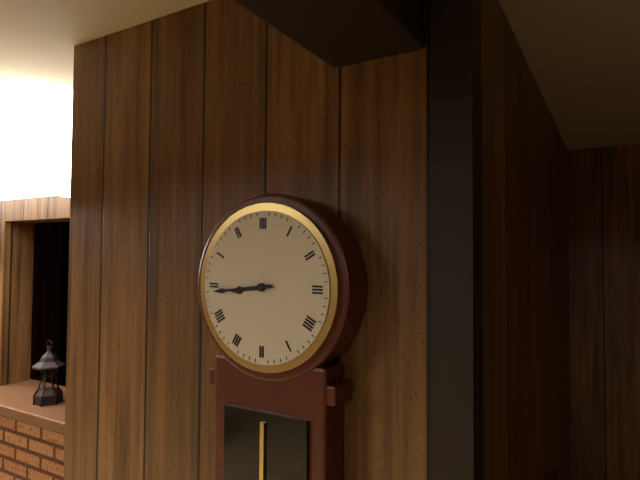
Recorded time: 8h44
